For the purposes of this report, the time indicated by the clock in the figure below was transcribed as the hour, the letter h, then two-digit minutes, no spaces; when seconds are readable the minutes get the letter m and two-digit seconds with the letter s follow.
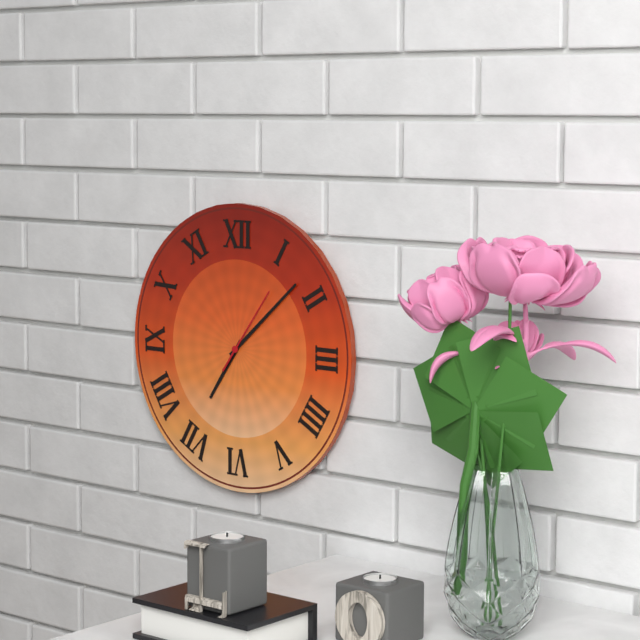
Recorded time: 7h08m06s
